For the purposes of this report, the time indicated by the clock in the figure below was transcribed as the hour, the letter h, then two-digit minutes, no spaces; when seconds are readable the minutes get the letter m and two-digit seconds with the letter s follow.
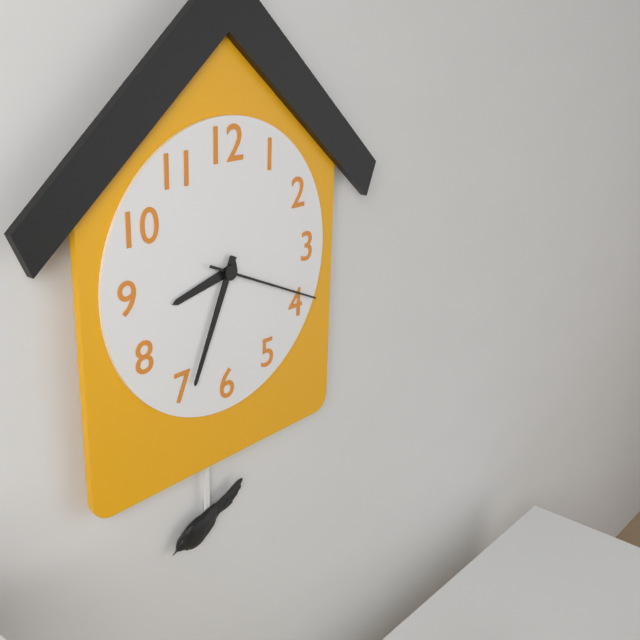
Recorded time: 8h34m19s
